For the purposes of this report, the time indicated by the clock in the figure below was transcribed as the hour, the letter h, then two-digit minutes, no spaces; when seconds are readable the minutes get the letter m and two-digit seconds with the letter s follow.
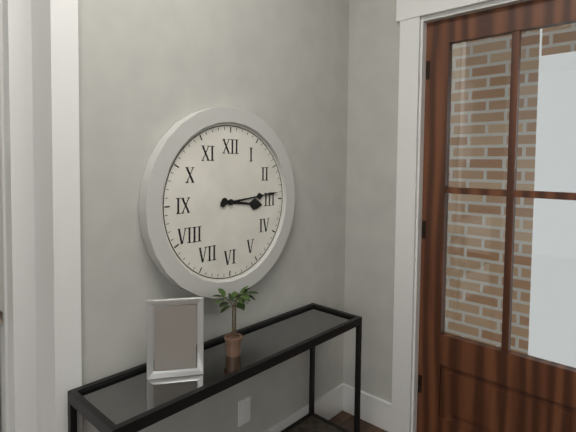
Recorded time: 3h14
